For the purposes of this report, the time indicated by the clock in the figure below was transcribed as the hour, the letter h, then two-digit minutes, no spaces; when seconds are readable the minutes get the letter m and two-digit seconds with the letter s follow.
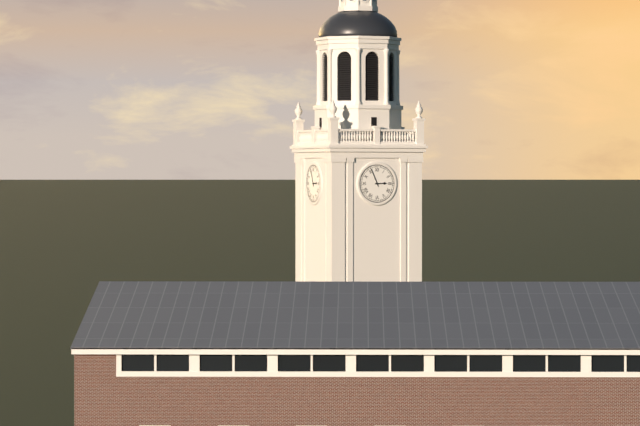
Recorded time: 2h56
